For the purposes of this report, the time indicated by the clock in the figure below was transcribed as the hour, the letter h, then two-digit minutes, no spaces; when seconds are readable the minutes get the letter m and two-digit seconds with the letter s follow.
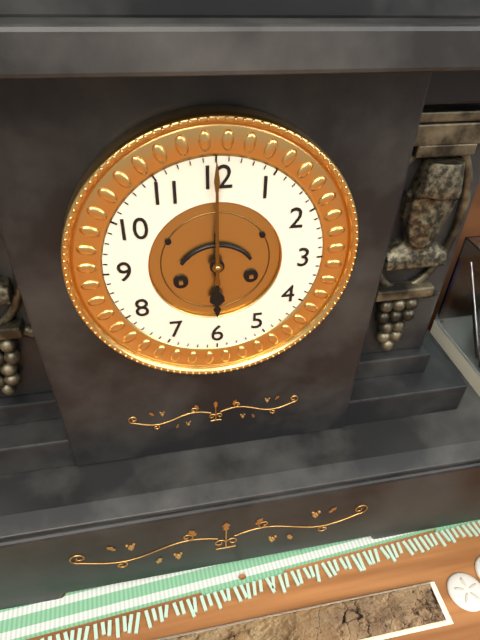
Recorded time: 6h00
